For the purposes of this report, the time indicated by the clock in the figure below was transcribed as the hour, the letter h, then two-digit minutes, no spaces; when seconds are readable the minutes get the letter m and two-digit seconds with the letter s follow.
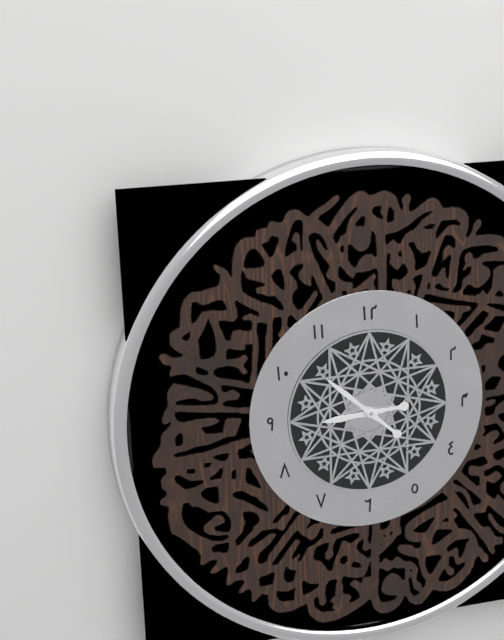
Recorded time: 8h52
